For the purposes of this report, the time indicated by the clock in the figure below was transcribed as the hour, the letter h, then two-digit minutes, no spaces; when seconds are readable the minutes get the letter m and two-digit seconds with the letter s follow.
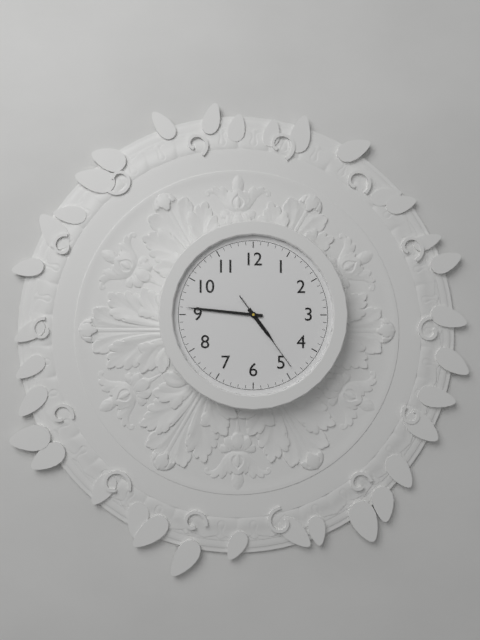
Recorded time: 4h46m24s
